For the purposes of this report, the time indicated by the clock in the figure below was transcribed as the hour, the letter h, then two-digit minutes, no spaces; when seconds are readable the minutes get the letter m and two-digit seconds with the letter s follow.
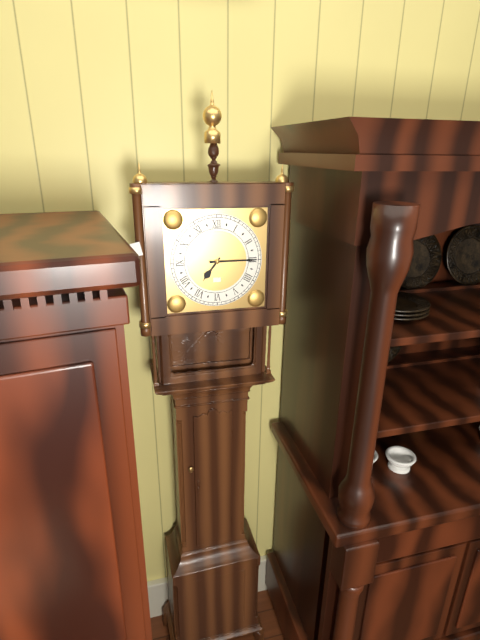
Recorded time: 7h15
